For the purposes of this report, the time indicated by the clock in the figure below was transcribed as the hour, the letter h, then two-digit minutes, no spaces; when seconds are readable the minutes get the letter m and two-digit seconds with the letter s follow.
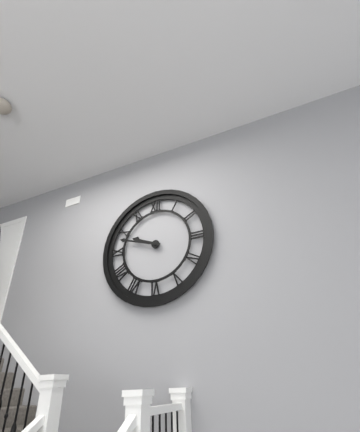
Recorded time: 9h48
